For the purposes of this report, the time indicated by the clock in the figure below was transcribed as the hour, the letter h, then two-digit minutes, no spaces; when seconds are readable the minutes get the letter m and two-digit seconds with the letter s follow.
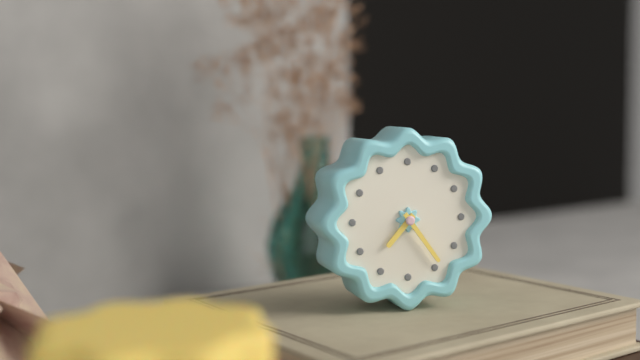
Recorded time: 7h24
